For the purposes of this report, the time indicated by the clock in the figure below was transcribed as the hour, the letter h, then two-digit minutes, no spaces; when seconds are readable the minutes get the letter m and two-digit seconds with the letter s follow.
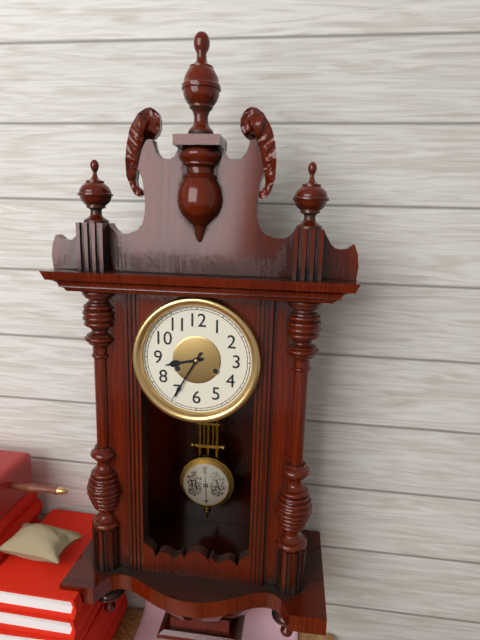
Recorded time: 8h35
